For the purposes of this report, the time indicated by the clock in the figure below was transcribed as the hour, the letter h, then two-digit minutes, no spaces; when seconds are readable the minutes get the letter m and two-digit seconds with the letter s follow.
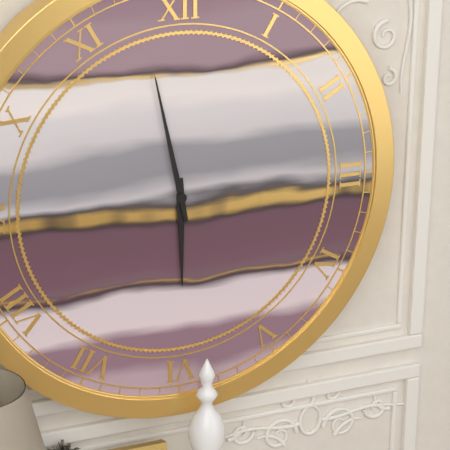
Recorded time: 5h58
